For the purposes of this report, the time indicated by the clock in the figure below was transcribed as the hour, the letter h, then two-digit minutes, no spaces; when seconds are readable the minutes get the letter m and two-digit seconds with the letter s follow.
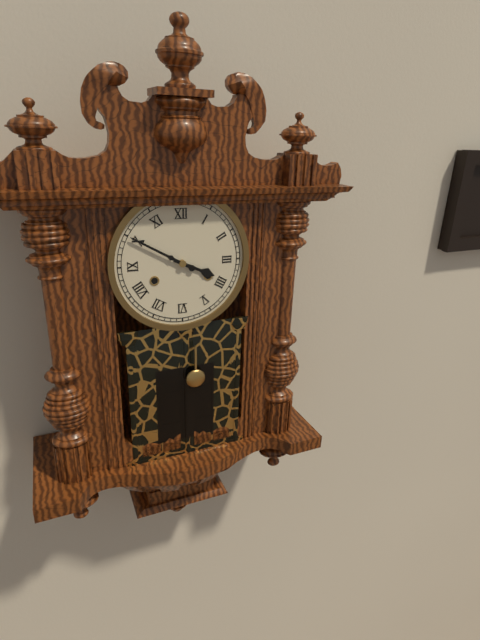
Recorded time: 3h50
